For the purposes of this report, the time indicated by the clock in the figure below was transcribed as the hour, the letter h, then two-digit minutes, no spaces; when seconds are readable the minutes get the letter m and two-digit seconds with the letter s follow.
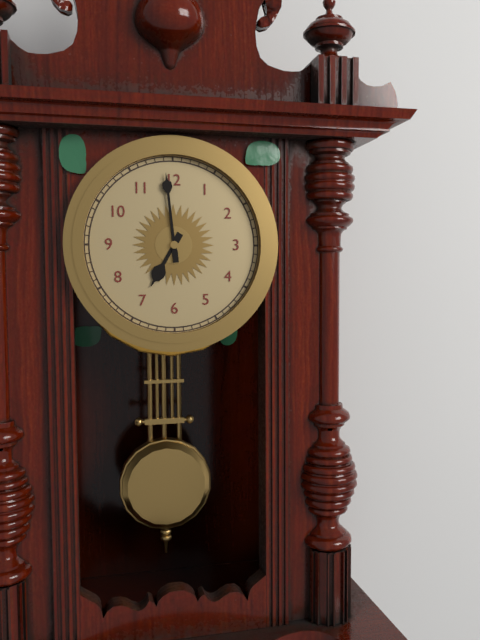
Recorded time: 6h59
